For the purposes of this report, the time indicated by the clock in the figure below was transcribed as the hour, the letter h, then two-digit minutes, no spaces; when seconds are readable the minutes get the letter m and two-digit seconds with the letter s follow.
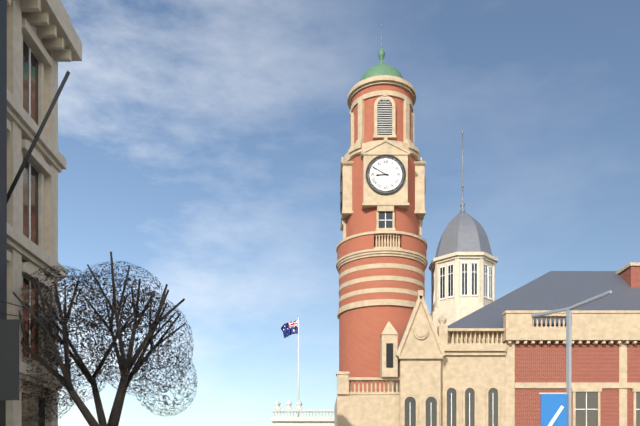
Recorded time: 8h50
